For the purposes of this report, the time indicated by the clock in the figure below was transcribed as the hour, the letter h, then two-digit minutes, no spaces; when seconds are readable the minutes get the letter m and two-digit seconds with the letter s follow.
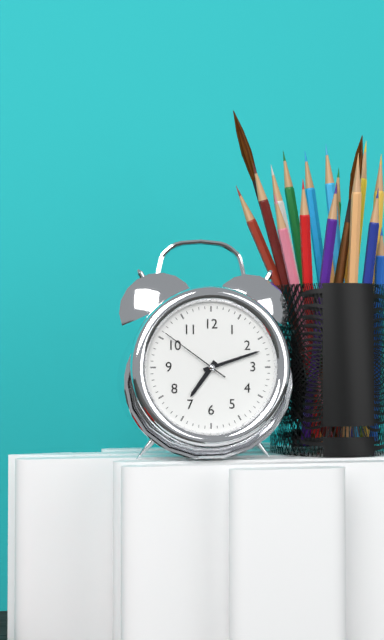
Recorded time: 7h12m51s
